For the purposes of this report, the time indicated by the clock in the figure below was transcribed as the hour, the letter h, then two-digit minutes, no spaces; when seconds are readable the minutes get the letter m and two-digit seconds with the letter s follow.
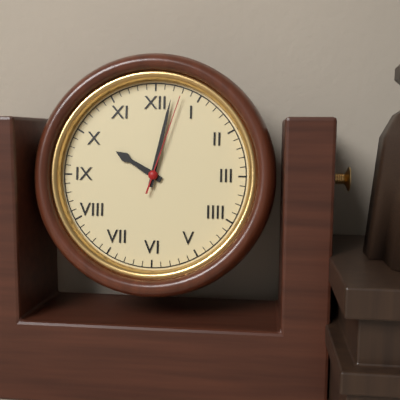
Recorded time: 10h02m03s
